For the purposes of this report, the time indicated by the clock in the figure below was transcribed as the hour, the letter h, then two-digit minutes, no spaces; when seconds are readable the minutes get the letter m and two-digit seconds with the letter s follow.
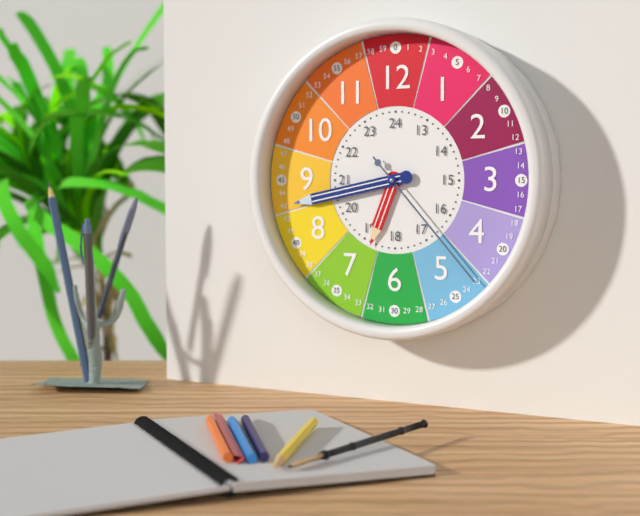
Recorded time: 6h43m23s
